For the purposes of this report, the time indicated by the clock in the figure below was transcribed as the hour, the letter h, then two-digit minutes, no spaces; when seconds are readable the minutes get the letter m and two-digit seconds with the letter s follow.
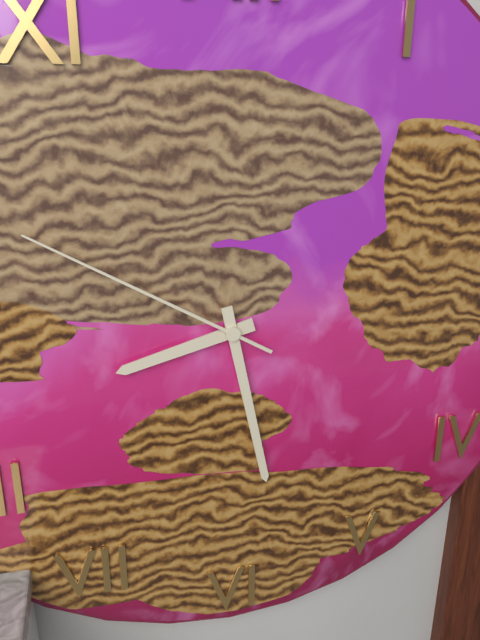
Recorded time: 8h28m50s
